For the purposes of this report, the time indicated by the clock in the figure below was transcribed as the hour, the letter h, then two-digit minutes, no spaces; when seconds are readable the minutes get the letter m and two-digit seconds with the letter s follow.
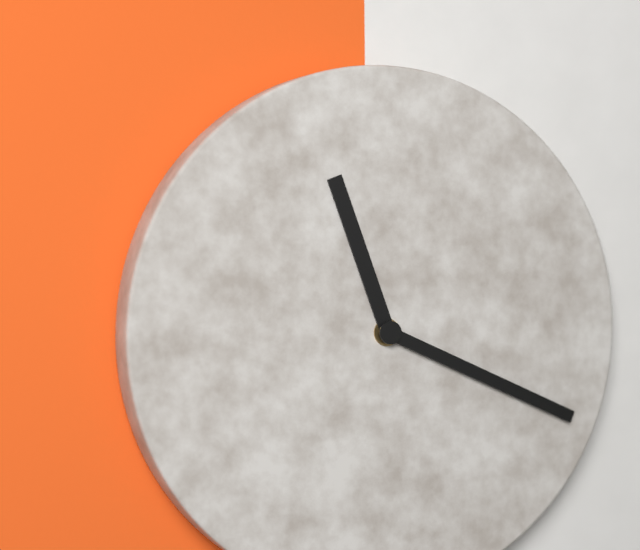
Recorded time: 11h19
